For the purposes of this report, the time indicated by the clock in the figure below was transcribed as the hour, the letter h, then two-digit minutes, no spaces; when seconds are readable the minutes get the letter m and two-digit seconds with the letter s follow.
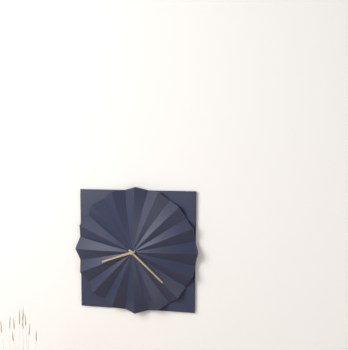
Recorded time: 8h22
